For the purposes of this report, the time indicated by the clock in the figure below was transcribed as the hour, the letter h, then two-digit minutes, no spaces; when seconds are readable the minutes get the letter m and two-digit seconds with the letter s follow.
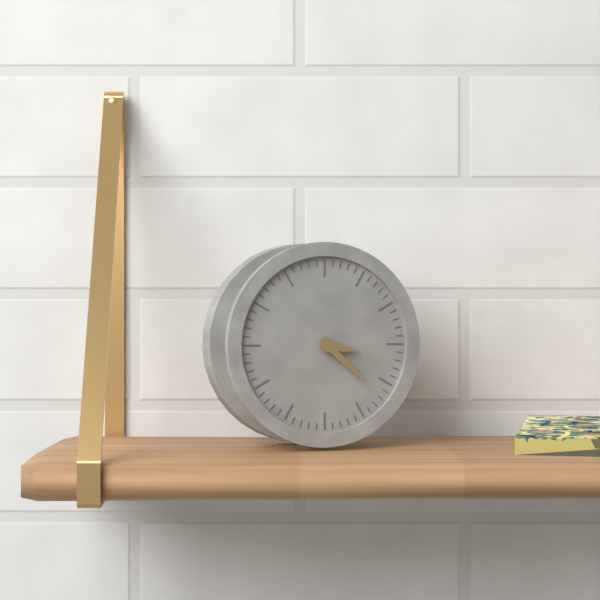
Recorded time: 3h22
